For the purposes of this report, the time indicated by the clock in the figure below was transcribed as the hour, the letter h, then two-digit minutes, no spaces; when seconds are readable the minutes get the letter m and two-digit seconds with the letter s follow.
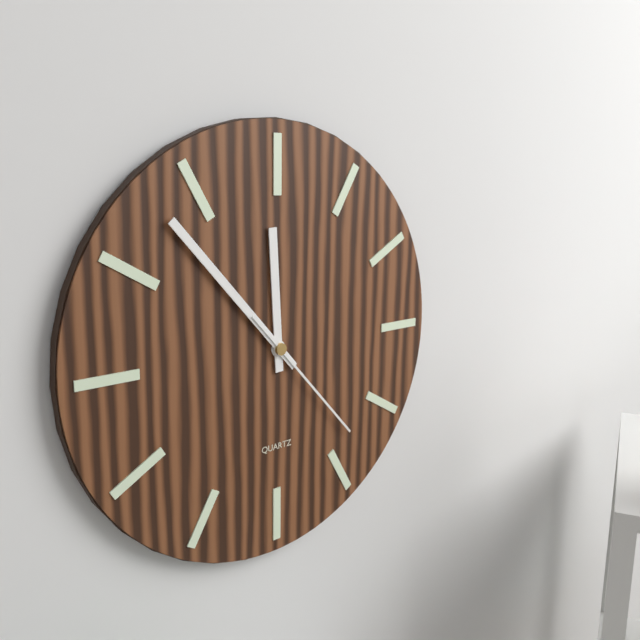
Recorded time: 11h53m23s
